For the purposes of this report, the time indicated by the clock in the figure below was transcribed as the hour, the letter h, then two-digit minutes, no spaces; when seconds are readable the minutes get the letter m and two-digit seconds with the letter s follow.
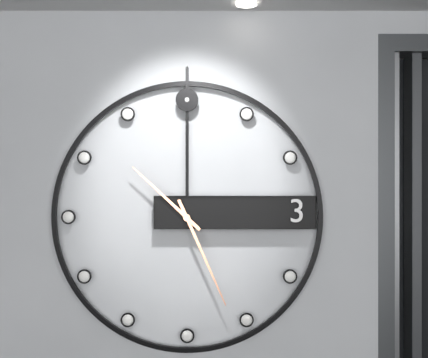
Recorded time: 10h26
